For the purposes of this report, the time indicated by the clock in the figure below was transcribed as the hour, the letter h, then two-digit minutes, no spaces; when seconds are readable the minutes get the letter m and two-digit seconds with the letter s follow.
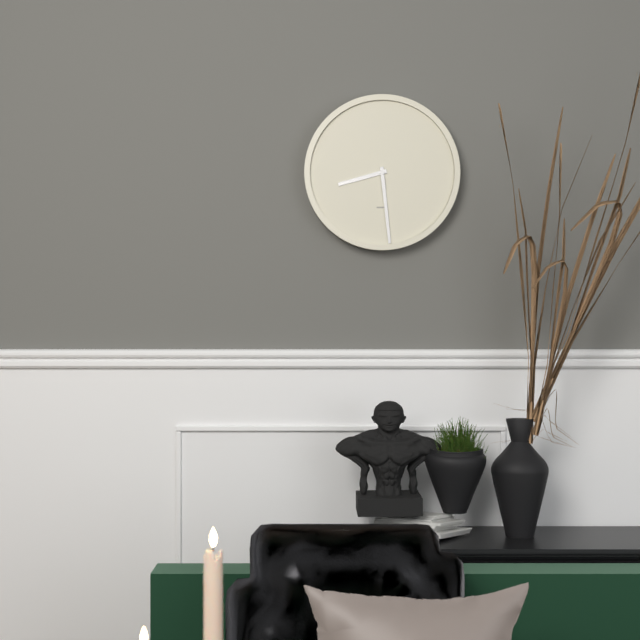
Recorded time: 8h29
